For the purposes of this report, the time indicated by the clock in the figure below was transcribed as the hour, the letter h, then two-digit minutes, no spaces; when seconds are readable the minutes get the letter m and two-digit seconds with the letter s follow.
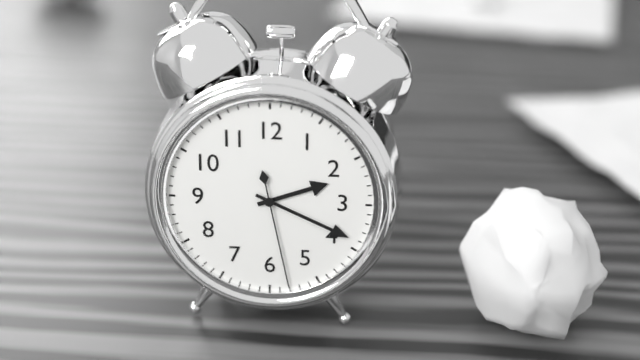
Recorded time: 2h19m28s
